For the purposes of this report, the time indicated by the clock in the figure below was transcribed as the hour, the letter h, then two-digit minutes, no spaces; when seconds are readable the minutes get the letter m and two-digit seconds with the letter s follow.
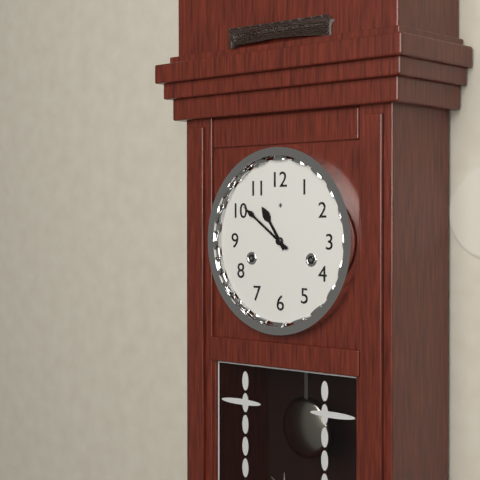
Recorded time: 10h51
